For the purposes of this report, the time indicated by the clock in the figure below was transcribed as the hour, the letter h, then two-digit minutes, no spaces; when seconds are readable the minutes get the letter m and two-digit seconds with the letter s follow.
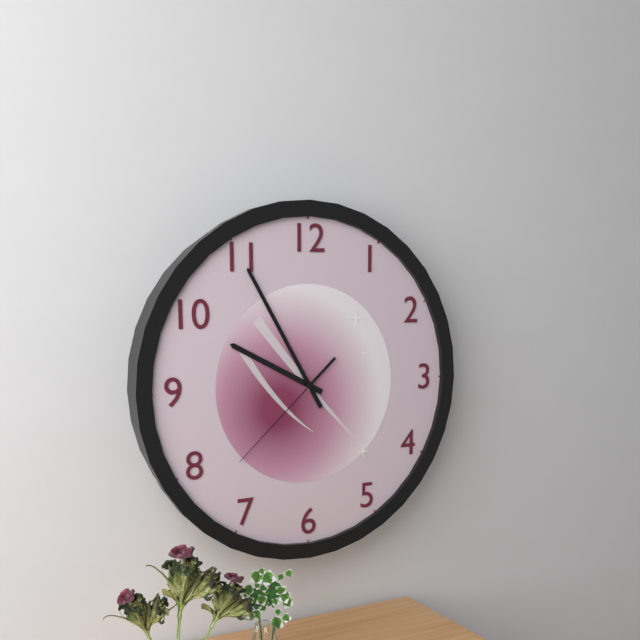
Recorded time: 9h55m38s
